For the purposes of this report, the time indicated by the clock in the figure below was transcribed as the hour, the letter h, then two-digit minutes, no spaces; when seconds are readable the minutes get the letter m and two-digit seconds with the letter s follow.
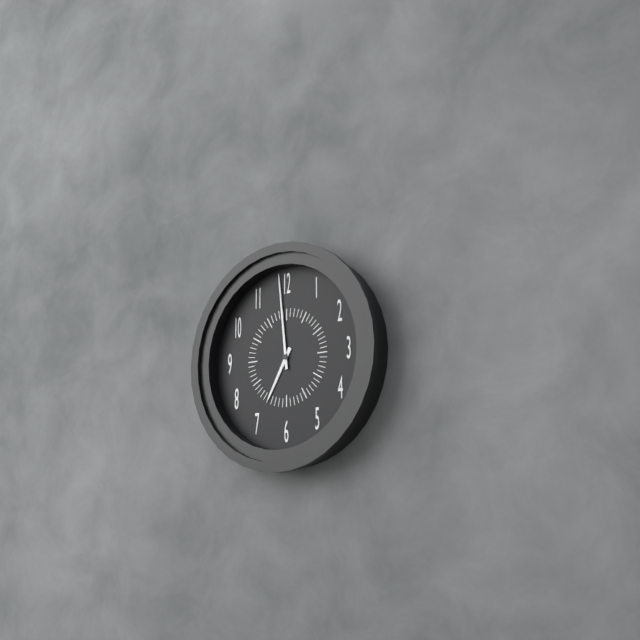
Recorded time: 6h59
